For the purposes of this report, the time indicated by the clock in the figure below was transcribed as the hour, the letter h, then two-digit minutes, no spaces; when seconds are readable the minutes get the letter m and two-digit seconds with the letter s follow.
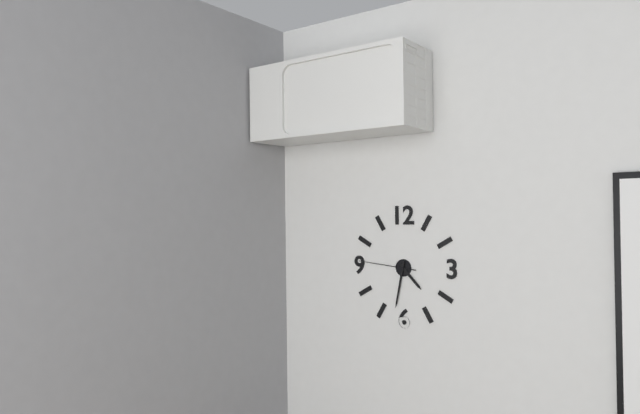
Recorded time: 4h32m46s
